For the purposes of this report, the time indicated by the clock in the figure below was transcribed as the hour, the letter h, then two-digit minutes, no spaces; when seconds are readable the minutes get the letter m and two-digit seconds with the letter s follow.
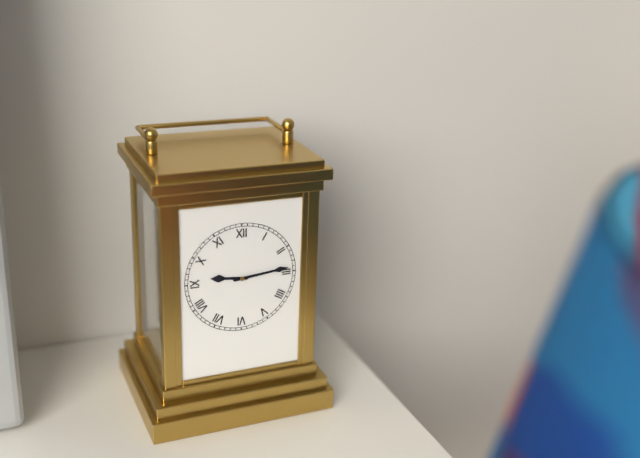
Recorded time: 9h14
